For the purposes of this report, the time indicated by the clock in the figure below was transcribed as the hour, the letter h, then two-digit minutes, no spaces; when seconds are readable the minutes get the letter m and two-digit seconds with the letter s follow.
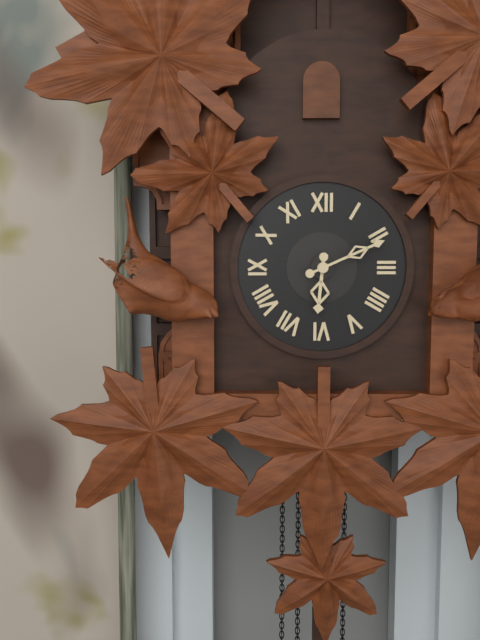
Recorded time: 6h11
